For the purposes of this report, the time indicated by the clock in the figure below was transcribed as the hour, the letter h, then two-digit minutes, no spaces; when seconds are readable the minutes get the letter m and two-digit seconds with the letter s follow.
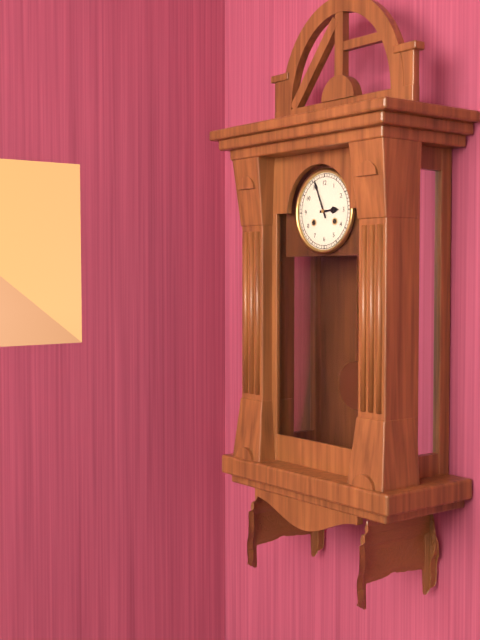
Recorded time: 2h56
